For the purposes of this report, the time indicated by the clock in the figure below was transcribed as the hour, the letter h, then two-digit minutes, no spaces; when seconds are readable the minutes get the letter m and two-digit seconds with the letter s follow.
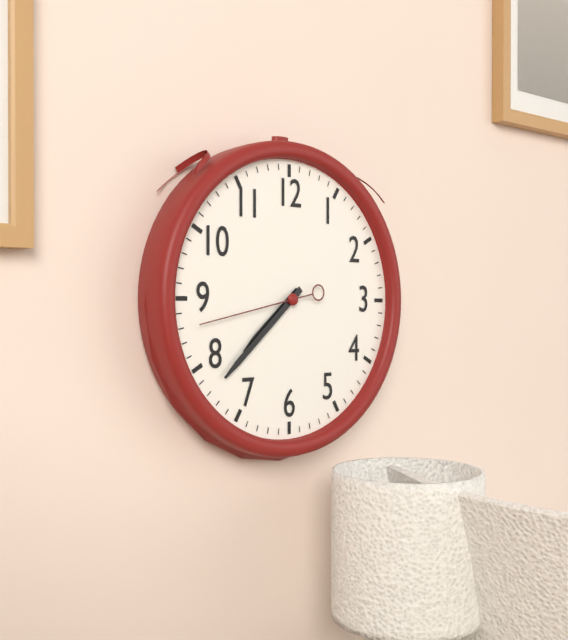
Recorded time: 7h38m43s
